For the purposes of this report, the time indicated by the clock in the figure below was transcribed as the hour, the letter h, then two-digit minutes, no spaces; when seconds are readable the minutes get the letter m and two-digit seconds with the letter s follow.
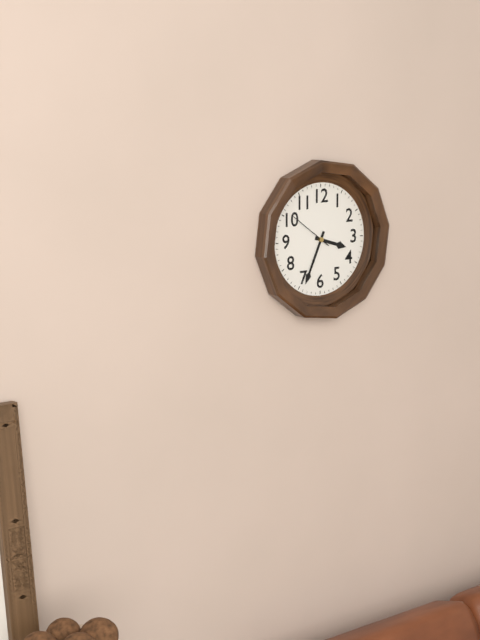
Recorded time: 3h34
